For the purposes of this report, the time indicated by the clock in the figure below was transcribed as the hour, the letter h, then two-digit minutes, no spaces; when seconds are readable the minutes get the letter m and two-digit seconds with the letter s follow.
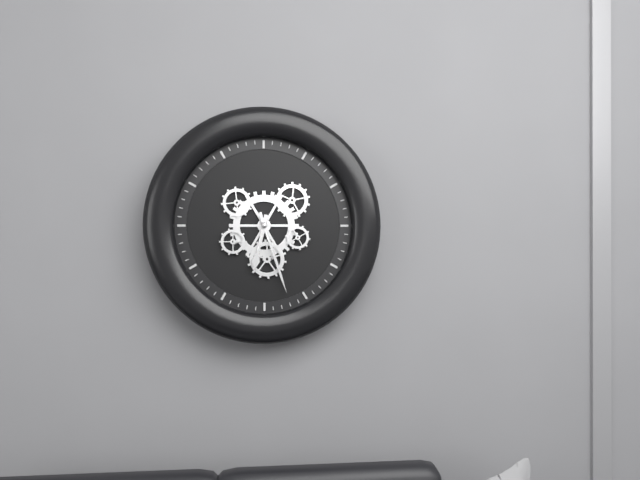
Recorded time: 6h27
